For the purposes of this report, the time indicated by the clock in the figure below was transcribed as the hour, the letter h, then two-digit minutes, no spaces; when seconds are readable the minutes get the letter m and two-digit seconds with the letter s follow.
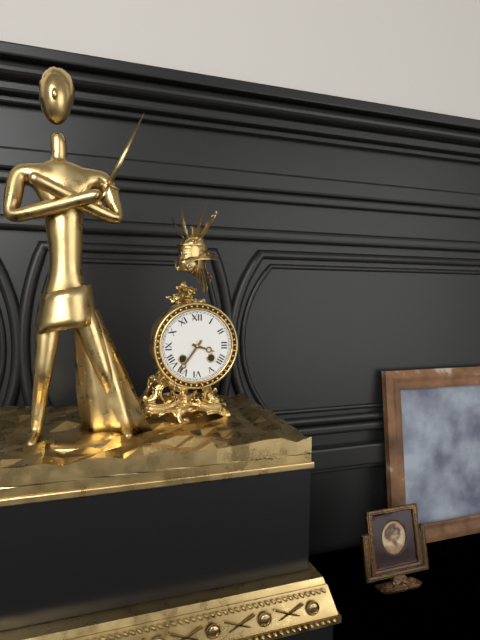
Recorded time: 3h36
